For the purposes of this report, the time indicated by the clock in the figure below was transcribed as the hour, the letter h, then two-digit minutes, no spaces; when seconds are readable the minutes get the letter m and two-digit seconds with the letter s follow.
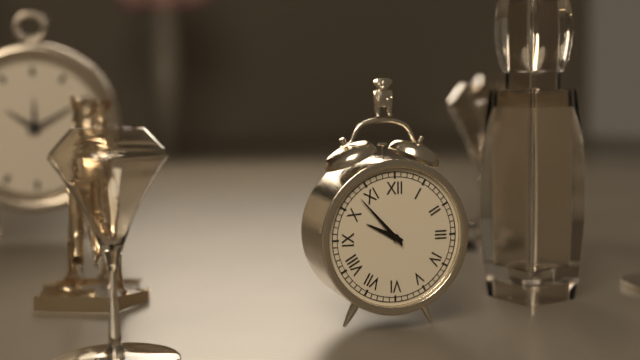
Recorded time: 9h53
